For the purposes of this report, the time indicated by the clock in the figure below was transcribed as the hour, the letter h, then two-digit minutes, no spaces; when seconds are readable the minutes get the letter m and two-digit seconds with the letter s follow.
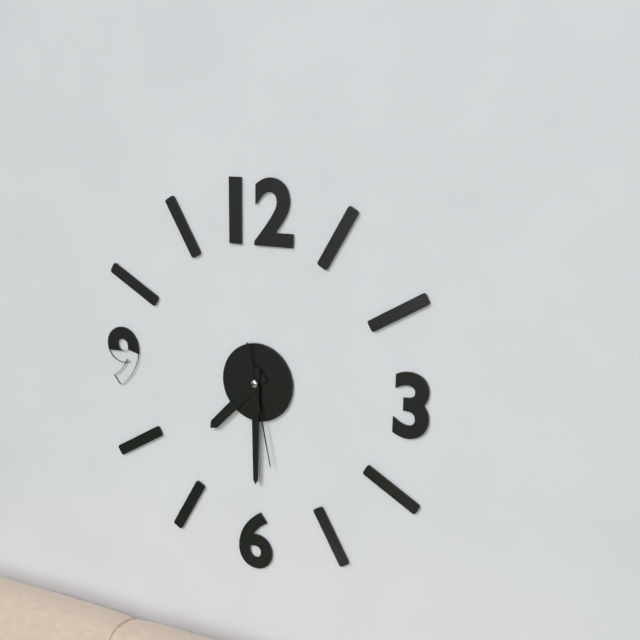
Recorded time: 7h30m28s
